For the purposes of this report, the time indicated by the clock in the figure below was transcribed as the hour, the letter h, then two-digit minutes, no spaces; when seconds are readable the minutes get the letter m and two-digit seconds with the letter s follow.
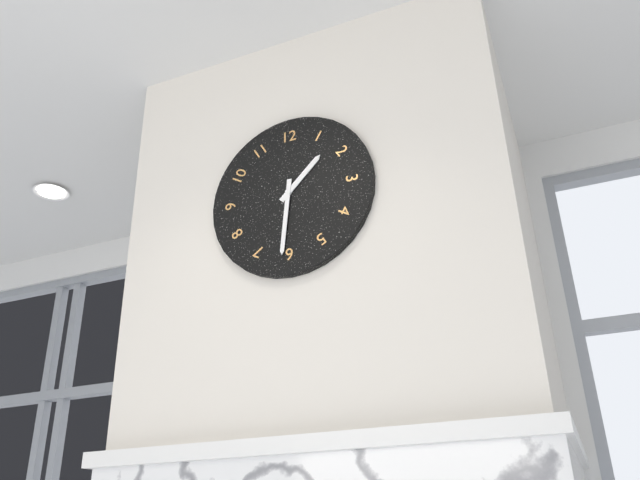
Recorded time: 1h31
